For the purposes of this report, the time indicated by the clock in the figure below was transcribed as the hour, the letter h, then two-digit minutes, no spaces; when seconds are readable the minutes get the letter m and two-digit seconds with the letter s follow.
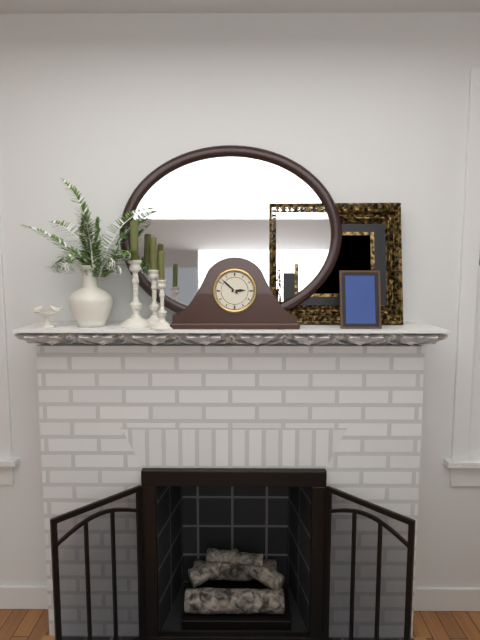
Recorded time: 2h52
